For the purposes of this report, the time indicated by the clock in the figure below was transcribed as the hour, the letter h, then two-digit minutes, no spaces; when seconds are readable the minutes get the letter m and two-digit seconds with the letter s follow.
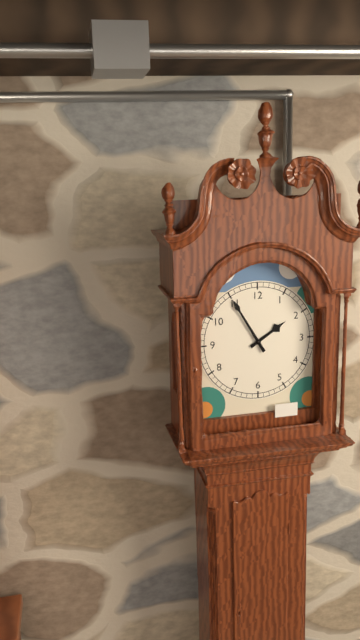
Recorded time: 1h55
